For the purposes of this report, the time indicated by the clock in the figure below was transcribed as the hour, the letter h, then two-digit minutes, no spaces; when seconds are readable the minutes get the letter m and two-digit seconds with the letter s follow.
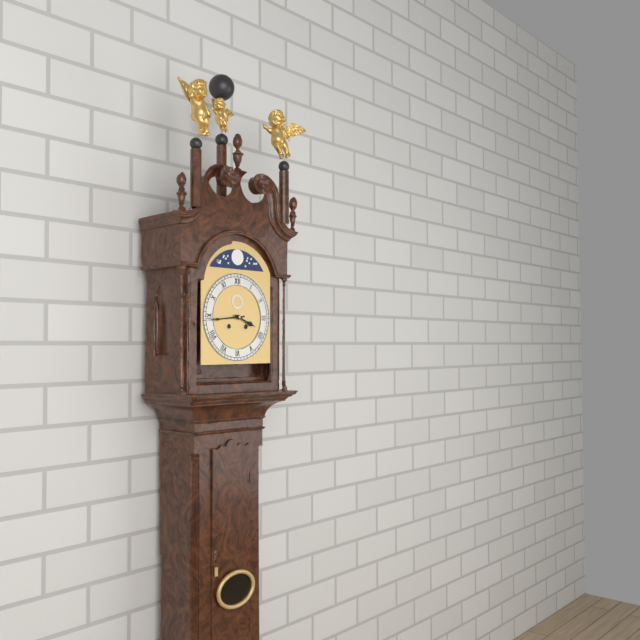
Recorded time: 3h44
